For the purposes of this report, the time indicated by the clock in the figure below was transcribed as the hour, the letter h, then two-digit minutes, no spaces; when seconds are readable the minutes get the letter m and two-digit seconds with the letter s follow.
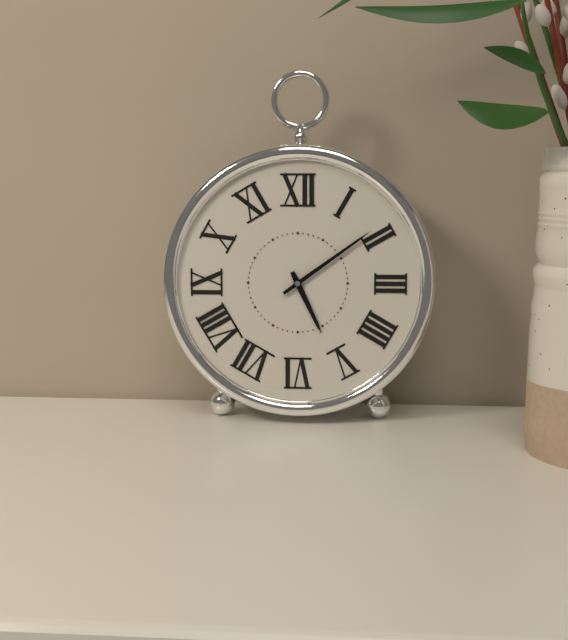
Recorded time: 5h09
